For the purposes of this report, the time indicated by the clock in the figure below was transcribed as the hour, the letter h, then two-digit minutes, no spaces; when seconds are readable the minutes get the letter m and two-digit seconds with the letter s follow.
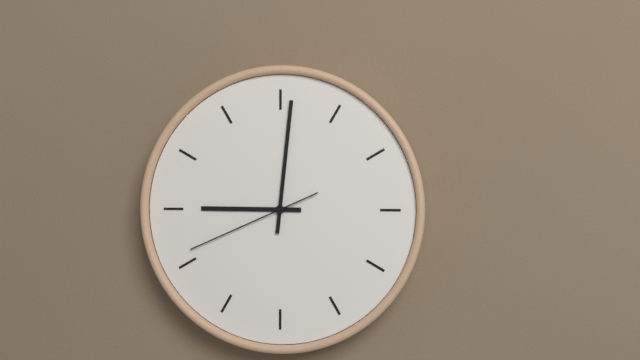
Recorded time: 9h01m41s
